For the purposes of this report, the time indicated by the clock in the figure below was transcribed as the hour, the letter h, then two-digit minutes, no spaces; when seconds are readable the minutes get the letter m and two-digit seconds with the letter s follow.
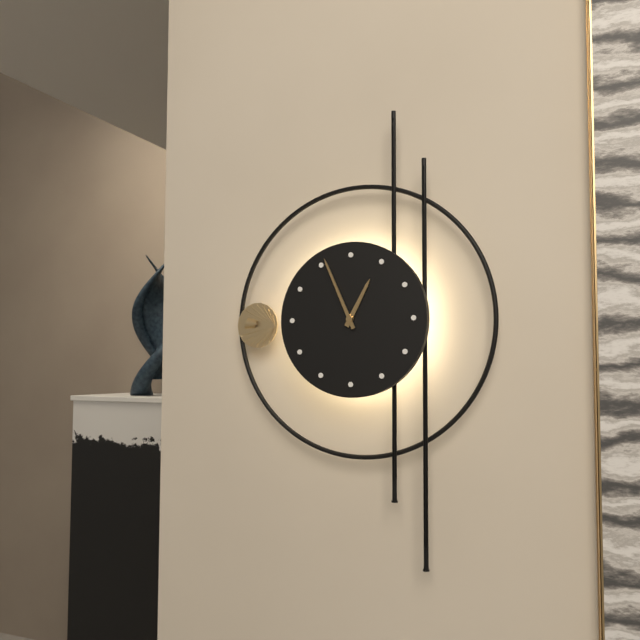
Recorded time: 12h56
